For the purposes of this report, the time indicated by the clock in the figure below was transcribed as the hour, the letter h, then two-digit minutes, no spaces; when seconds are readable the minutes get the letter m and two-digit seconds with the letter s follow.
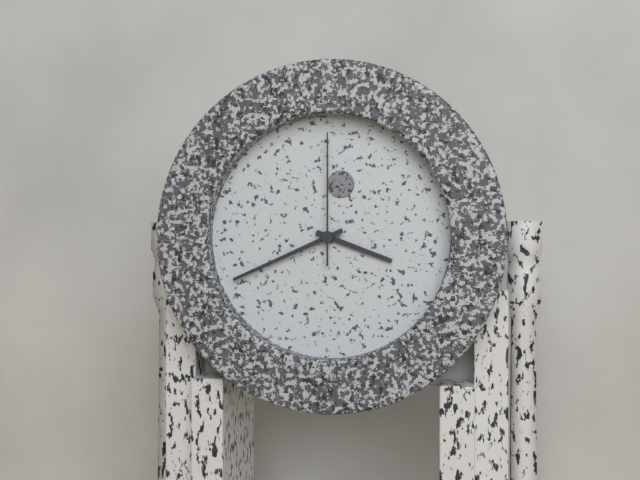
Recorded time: 3h41m00s
